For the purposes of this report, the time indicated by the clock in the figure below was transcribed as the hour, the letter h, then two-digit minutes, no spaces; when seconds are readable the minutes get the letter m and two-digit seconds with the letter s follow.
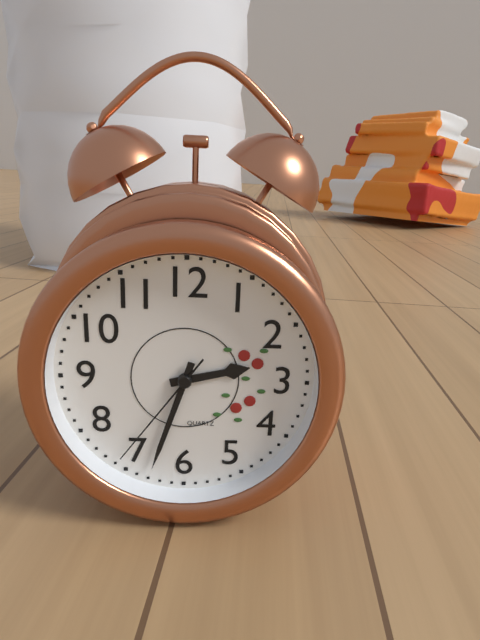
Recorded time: 2h33m36s
